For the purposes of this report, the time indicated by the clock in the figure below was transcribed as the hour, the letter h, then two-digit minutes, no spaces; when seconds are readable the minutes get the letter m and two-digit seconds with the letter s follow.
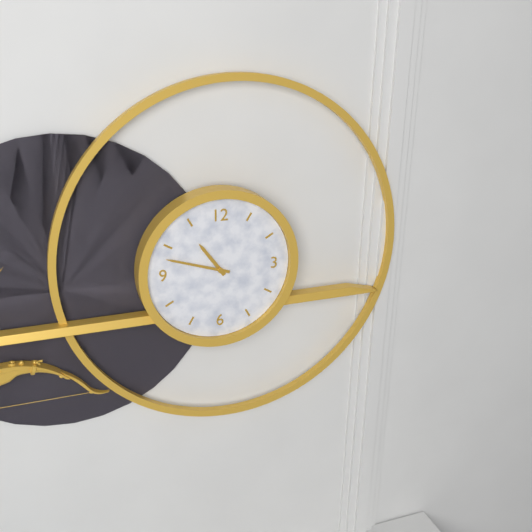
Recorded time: 10h48
